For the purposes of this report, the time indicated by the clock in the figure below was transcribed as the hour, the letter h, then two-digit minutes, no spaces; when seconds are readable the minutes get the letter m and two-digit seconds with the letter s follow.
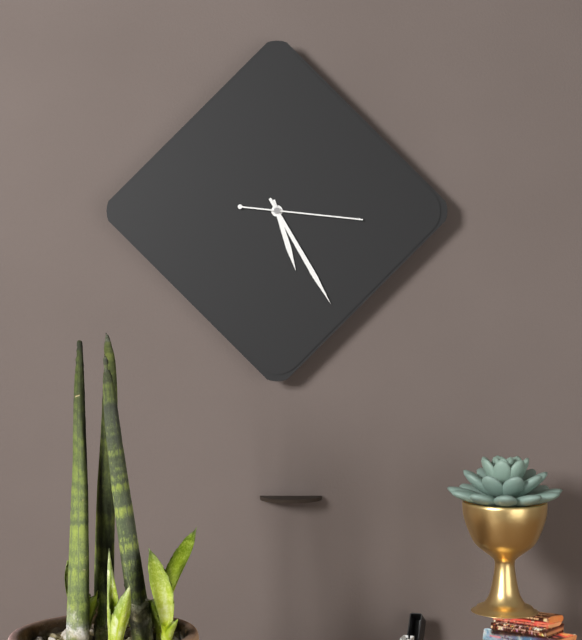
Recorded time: 5h25m16s
